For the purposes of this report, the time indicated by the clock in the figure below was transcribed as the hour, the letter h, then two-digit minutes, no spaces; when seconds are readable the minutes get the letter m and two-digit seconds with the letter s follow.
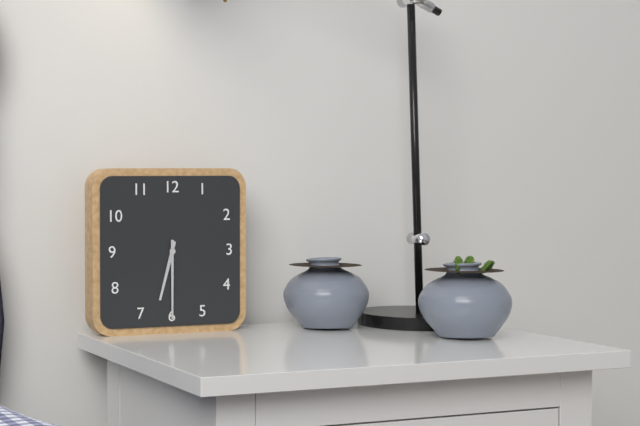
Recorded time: 6h30
